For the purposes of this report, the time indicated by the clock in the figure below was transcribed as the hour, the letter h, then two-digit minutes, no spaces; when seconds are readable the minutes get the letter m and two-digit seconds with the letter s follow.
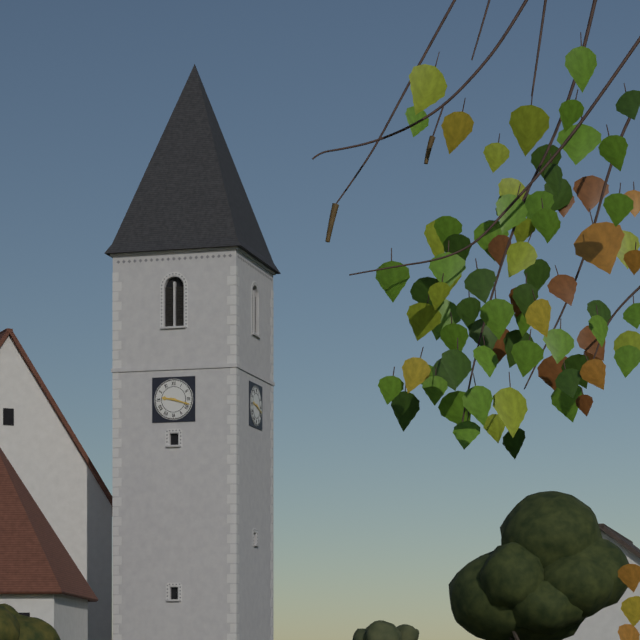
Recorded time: 9h18
